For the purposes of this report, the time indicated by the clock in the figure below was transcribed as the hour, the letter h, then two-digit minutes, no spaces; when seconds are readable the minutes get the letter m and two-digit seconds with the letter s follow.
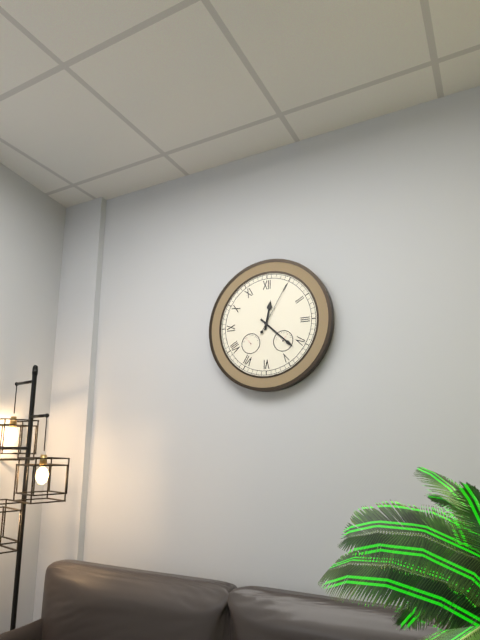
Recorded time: 12h22m05s
